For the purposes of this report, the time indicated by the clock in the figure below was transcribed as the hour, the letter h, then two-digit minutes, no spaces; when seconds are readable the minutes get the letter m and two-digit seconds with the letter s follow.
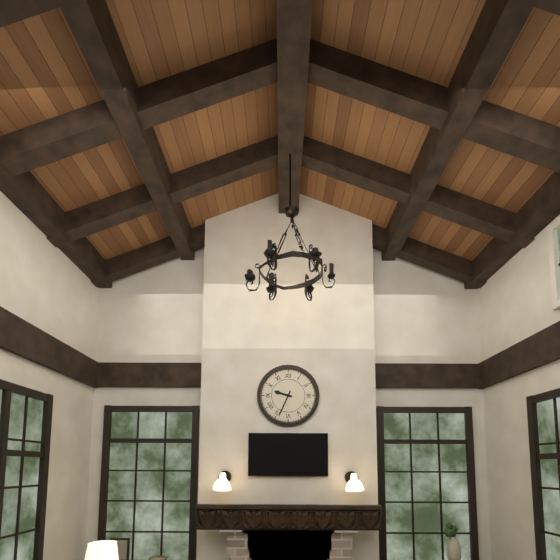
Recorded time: 9h34
